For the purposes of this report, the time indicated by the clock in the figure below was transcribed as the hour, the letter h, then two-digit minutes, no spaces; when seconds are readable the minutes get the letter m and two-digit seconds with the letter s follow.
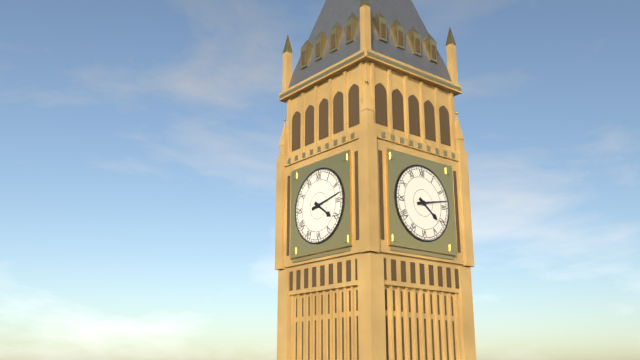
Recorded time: 4h13
